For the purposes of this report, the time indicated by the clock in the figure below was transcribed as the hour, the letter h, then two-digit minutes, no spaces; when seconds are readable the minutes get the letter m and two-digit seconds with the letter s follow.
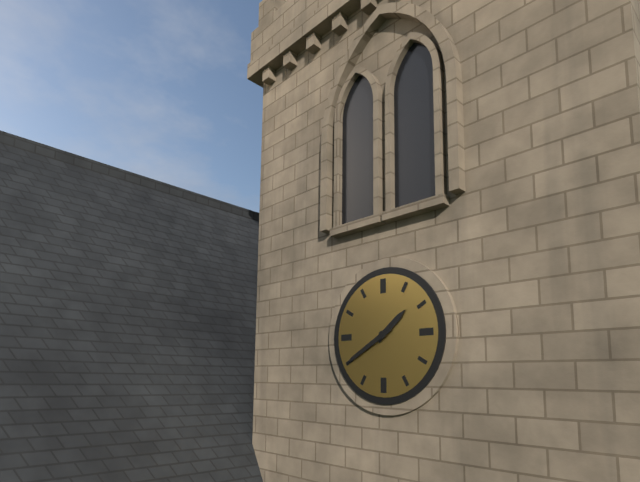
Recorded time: 1h40
